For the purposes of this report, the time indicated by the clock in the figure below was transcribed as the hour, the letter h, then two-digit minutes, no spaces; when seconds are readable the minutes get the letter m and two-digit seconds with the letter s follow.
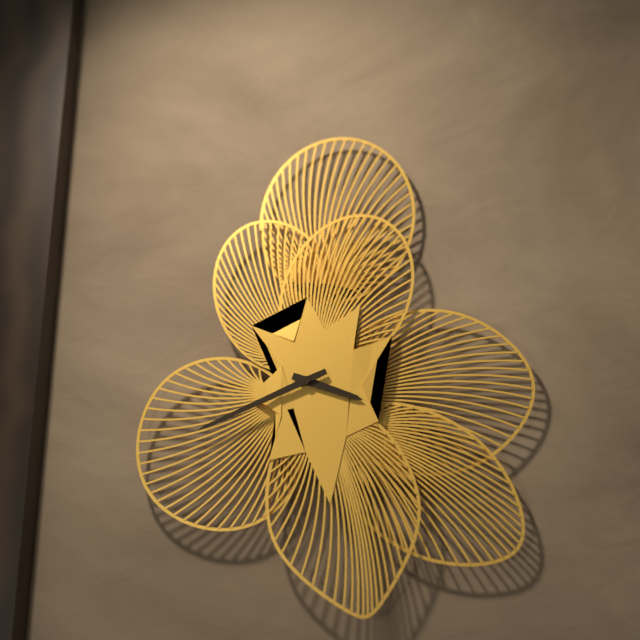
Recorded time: 3h41
